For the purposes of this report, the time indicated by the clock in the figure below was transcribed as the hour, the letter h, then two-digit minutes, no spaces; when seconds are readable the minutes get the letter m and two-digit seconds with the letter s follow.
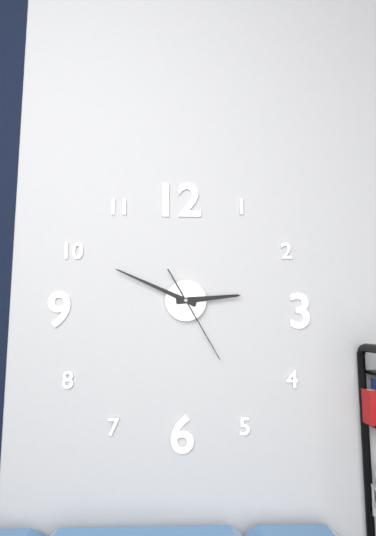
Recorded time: 2h49m25s
